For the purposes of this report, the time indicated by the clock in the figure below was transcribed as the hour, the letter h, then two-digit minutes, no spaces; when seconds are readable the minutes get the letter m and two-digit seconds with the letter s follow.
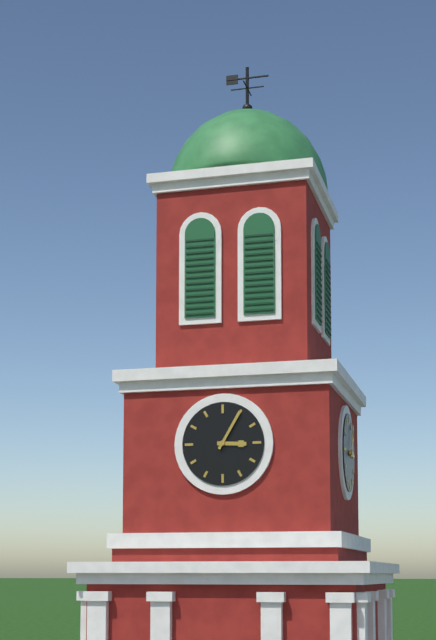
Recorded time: 3h05
